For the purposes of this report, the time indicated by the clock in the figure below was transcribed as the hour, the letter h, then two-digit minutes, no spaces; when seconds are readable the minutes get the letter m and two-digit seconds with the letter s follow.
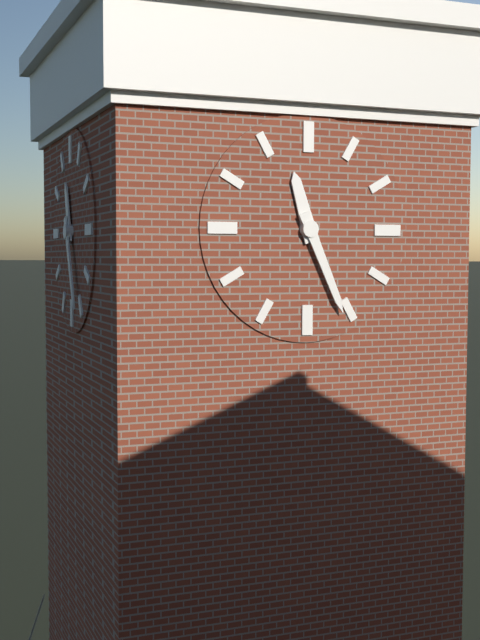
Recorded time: 11h26
